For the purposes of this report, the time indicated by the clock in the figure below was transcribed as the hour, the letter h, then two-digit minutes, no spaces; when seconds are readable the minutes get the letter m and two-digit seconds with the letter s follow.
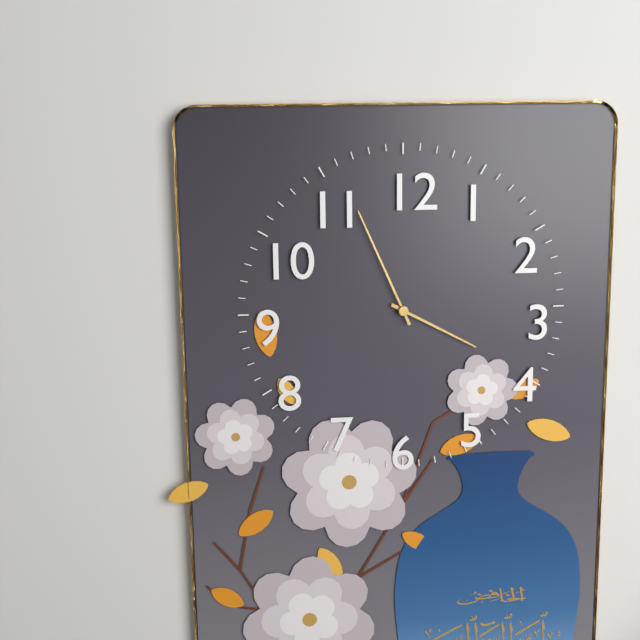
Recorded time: 3h56
